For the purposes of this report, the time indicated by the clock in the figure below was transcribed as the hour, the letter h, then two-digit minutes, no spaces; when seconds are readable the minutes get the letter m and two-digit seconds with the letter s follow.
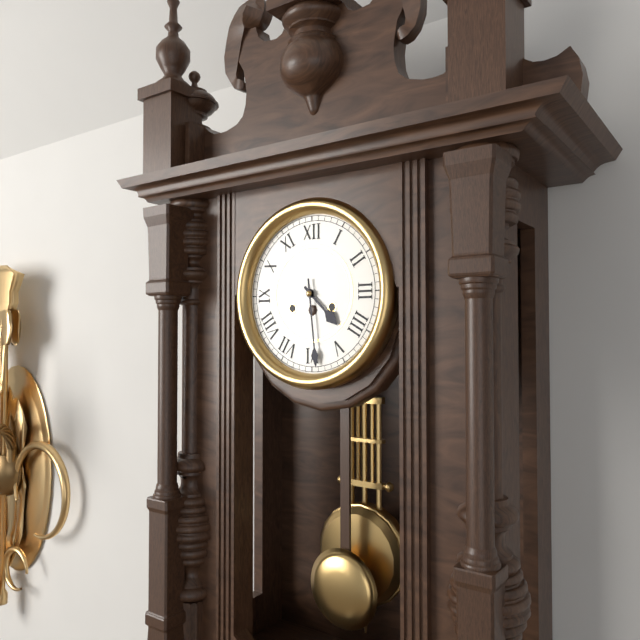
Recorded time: 4h29
